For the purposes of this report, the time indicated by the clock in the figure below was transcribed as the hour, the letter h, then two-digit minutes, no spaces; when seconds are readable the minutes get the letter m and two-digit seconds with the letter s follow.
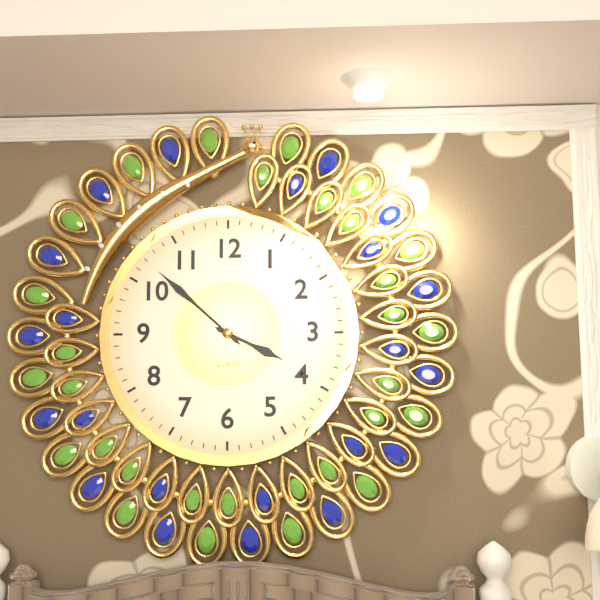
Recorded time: 3h52
